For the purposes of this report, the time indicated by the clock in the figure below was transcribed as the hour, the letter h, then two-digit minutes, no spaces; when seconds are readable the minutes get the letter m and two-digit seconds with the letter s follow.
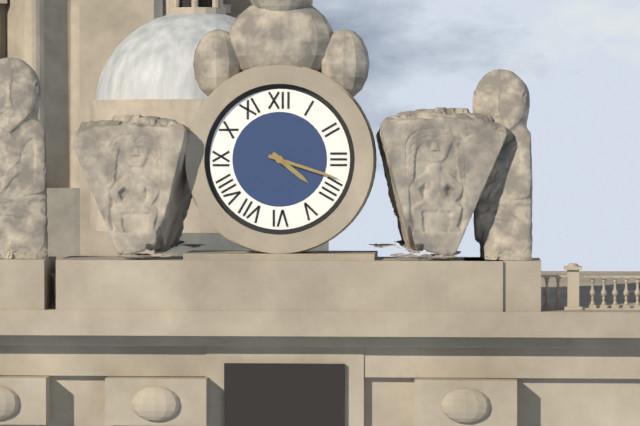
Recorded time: 4h18
